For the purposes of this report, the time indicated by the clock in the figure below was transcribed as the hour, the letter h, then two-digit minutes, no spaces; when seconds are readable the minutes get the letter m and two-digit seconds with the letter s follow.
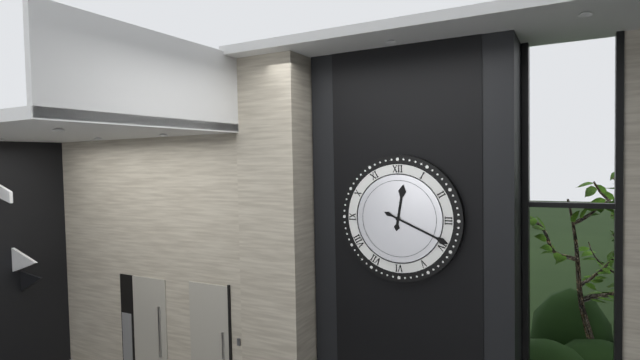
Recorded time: 12h19
